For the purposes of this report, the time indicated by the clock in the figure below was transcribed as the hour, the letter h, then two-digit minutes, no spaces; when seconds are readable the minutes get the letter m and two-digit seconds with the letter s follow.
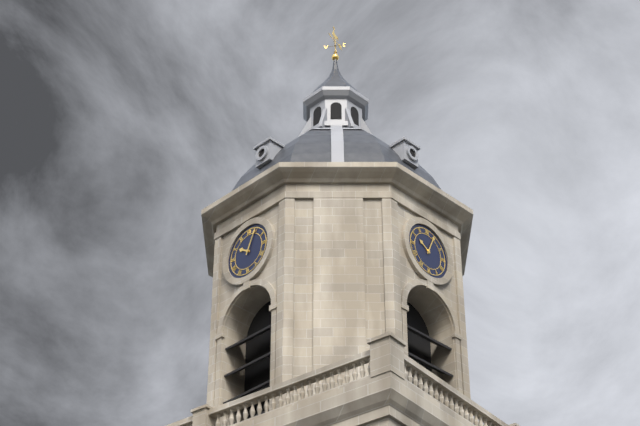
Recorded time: 10h04
